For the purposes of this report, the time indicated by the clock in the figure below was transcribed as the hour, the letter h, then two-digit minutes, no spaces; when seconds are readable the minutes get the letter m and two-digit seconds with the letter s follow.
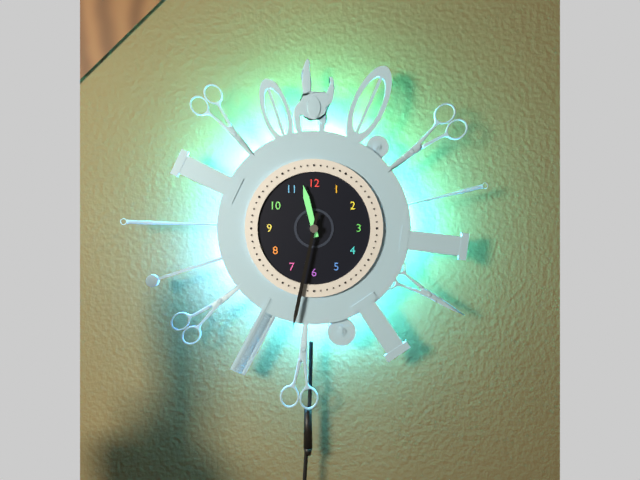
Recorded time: 11h32
